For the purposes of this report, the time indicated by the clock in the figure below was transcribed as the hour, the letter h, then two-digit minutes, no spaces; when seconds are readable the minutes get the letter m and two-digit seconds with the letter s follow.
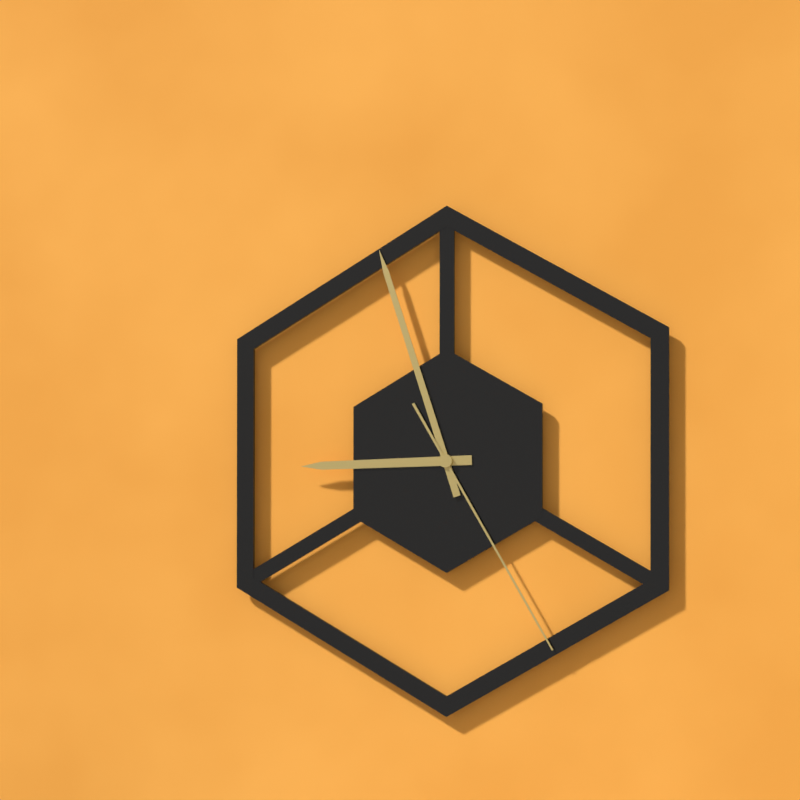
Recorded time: 8h57m25s
